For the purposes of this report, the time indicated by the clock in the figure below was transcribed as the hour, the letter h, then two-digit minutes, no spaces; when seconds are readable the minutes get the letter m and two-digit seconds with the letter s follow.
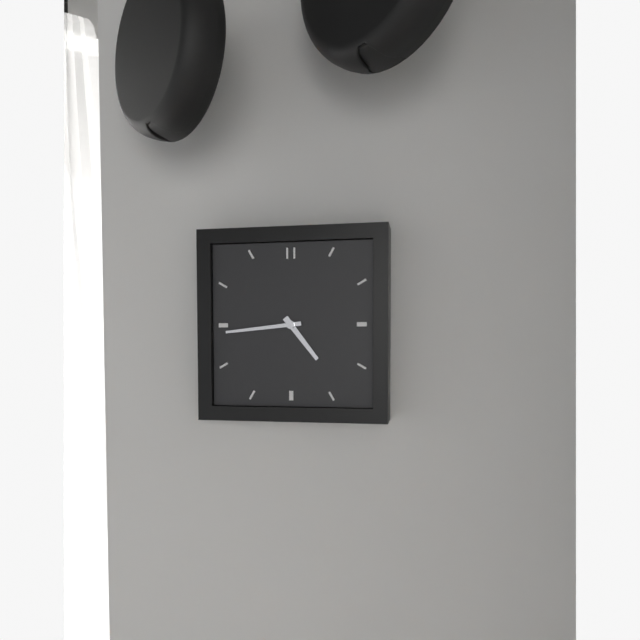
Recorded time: 4h44
